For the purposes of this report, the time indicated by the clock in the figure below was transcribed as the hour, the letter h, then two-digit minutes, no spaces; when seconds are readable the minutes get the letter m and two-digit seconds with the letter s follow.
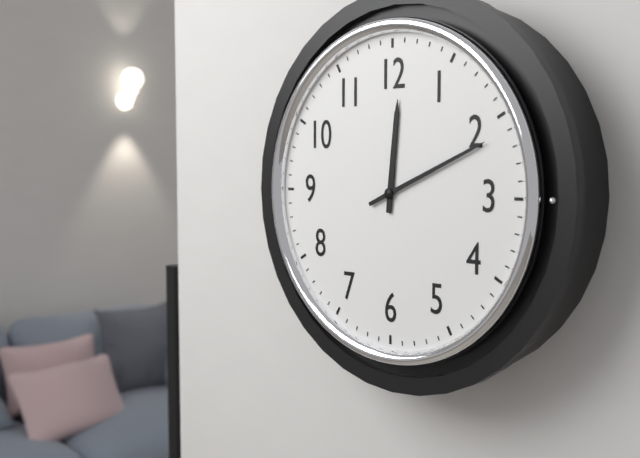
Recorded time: 12h11
